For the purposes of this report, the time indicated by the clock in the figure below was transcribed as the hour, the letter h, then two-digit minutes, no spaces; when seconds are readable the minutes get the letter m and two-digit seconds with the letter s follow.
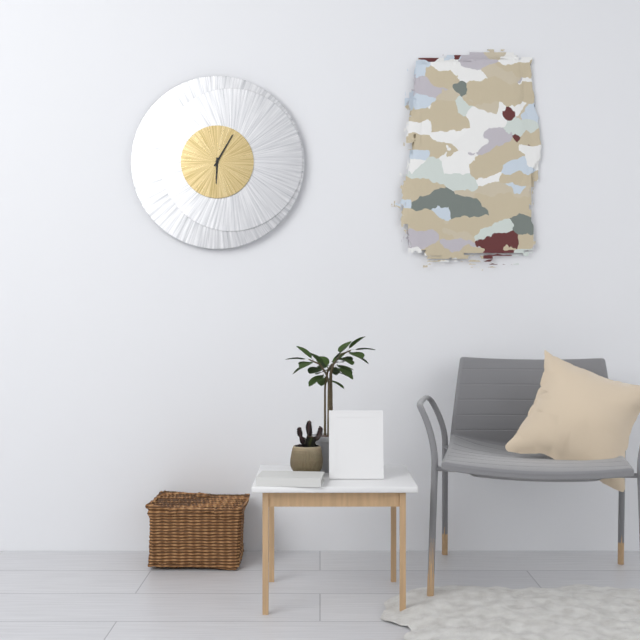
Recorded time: 6h05
